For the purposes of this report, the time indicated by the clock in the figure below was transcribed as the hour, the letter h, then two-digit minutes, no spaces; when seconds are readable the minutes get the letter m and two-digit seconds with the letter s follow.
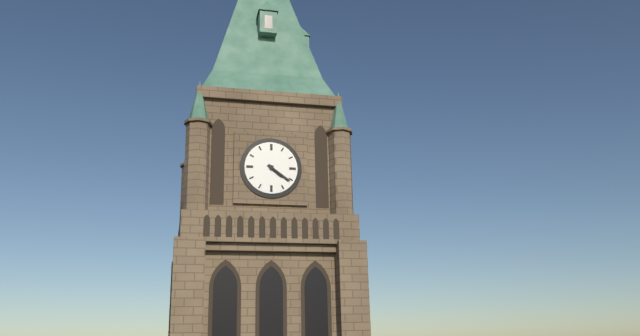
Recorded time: 4h21
